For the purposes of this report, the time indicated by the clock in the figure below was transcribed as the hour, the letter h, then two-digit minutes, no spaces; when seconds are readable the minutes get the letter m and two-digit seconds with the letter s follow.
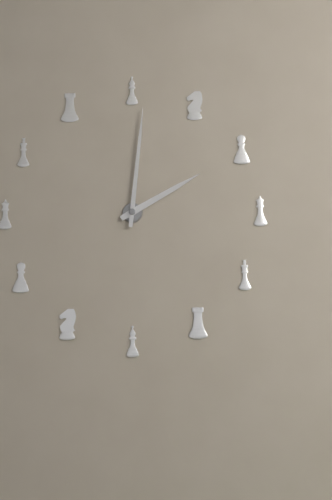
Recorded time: 2h01
